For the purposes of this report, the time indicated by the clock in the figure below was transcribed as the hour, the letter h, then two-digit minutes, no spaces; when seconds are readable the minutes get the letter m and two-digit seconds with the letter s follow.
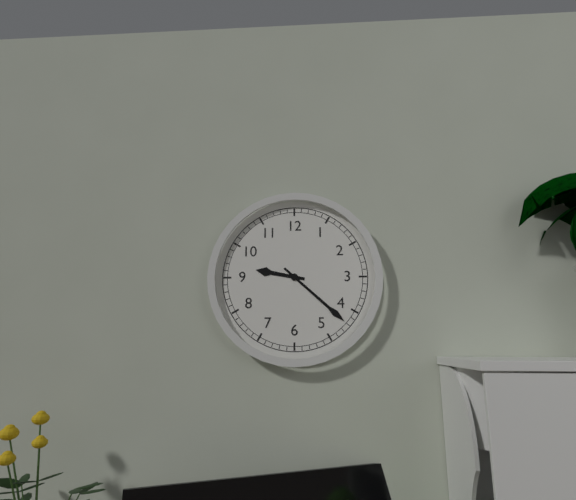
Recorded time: 9h22
